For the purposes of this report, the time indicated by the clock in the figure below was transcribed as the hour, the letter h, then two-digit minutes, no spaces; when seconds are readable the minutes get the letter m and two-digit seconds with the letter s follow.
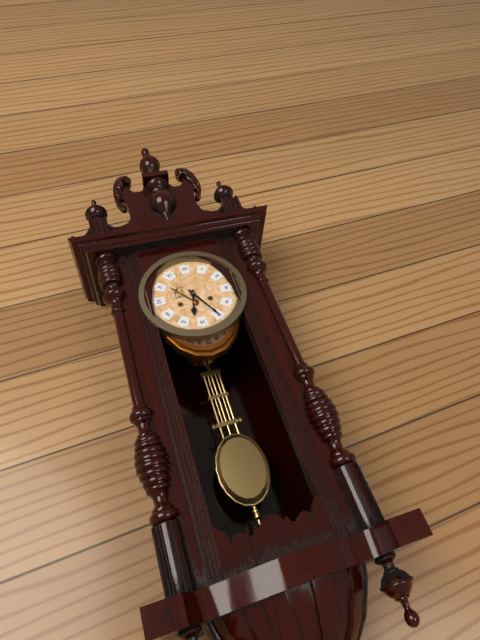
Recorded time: 6h25
